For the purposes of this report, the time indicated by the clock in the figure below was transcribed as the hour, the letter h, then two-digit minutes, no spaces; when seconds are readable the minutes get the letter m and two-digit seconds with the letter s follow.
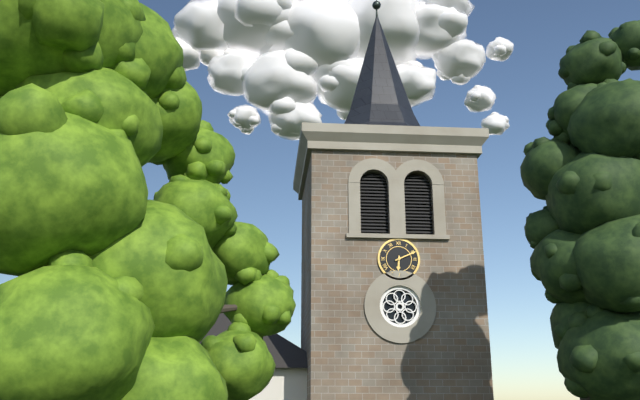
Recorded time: 6h11
